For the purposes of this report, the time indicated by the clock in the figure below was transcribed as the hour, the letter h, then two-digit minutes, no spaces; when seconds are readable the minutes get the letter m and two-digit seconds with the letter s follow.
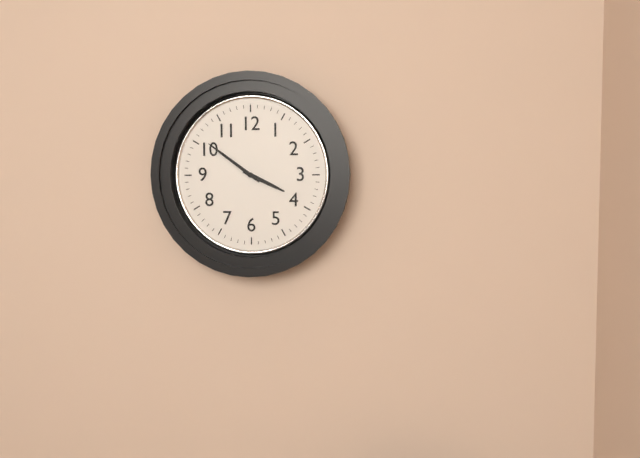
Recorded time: 3h51
